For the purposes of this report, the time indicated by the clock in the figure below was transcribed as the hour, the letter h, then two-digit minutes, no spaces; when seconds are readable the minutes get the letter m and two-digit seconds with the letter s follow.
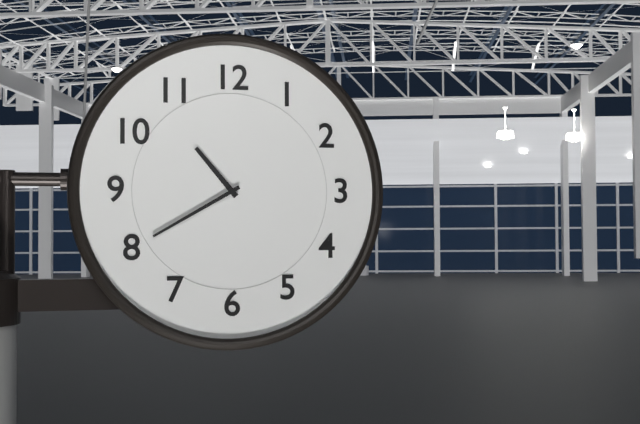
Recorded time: 10h40
